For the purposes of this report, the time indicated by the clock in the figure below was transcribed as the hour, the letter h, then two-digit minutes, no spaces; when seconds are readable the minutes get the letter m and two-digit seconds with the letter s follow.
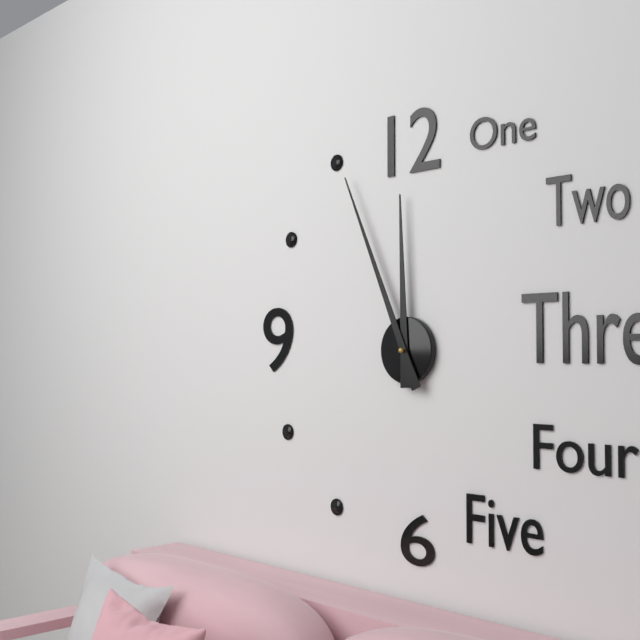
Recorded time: 11h56
